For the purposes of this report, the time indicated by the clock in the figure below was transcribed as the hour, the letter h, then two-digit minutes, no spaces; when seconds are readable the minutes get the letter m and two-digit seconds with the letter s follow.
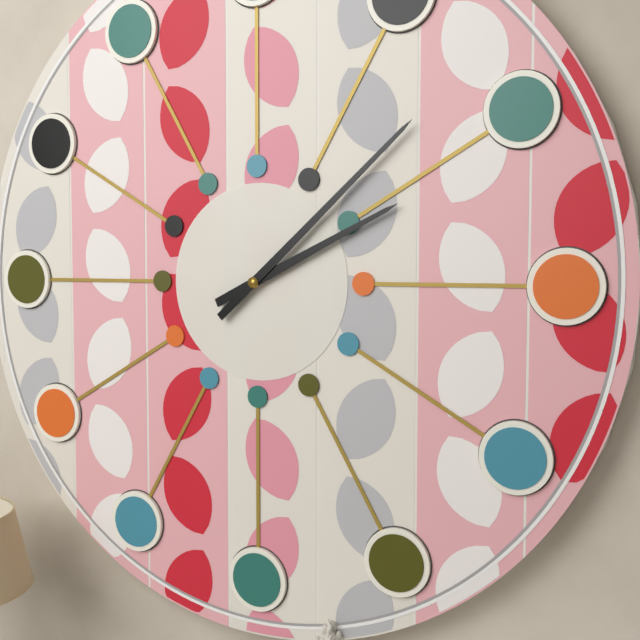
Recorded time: 2h08
